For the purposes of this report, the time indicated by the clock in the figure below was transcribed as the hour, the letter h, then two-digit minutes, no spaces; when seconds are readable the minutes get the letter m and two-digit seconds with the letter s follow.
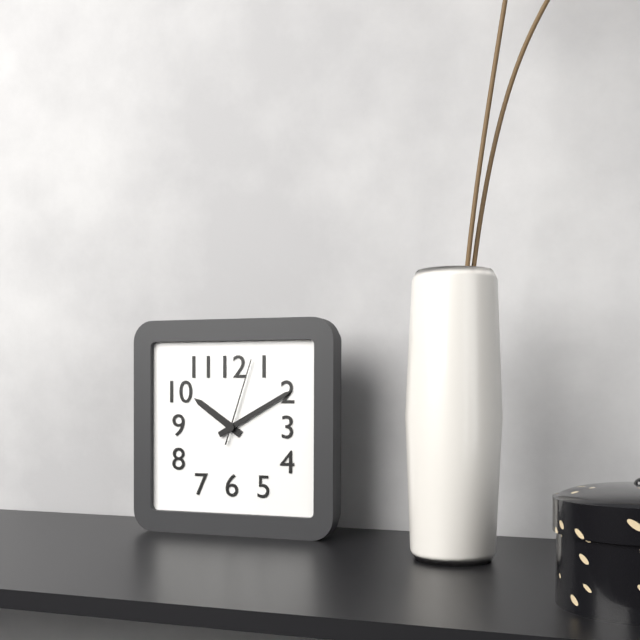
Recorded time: 10h10m03s
